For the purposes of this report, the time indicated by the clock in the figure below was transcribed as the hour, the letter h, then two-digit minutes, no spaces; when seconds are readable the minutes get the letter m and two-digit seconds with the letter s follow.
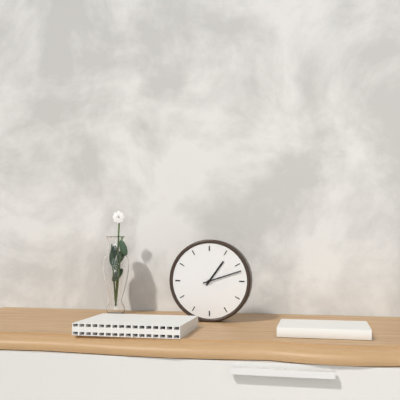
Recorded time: 1h12
